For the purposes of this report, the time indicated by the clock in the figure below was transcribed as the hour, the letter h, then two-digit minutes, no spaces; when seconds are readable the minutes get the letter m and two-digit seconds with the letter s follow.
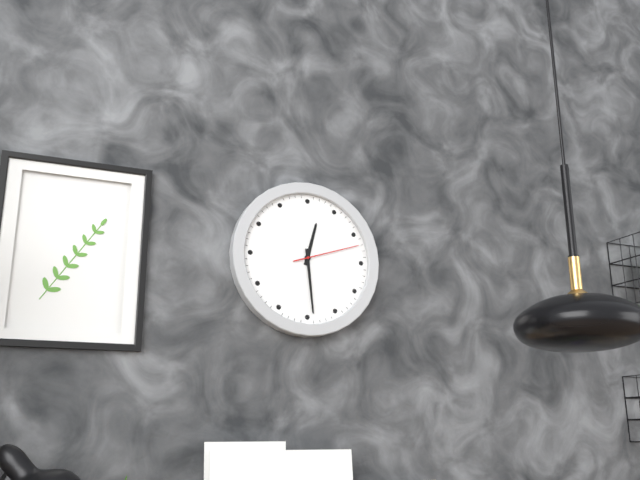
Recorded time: 12h29m12s
